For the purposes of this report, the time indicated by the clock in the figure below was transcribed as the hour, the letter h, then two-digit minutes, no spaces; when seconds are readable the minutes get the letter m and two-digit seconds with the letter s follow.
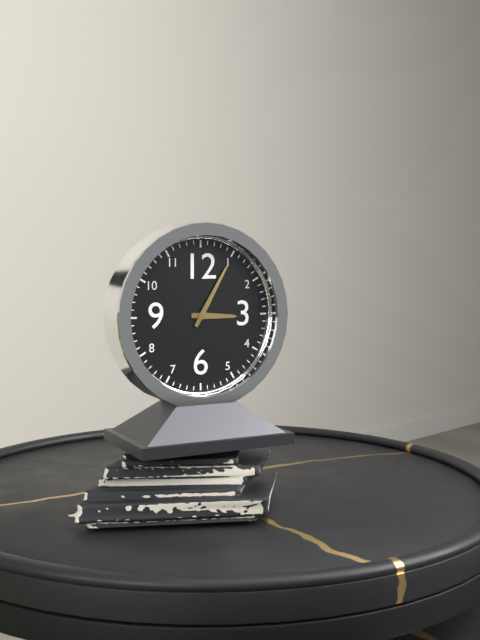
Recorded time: 3h05
